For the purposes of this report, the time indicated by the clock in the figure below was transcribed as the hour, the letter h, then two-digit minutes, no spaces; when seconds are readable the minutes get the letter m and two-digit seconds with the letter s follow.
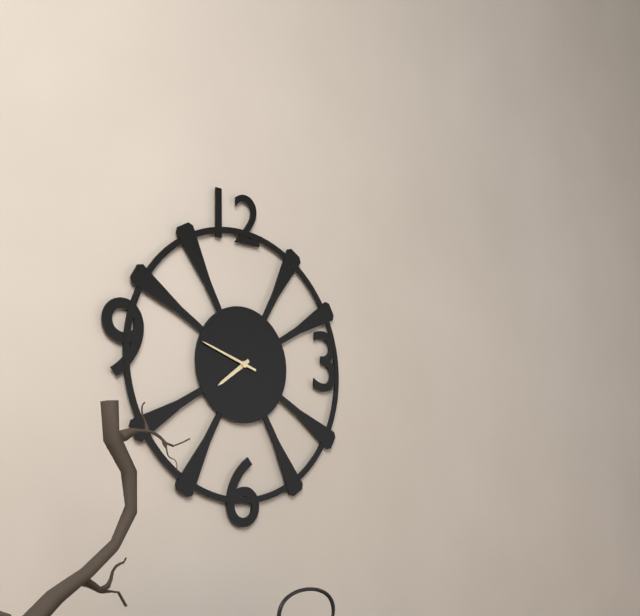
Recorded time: 7h48
